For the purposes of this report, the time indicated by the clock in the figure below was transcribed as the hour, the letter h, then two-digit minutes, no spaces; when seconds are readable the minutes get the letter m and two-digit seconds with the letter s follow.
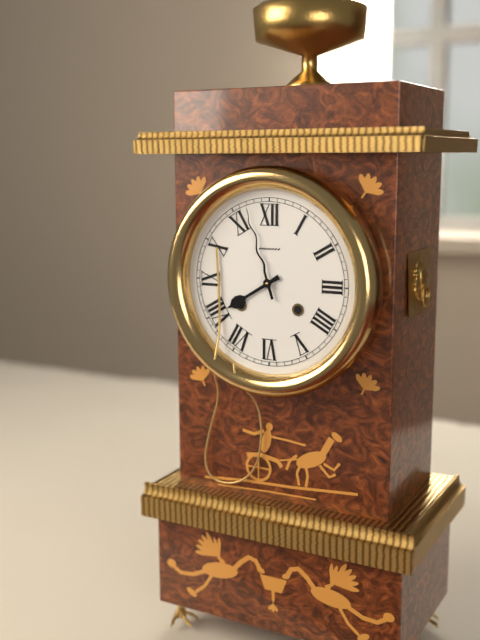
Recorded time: 7h57
